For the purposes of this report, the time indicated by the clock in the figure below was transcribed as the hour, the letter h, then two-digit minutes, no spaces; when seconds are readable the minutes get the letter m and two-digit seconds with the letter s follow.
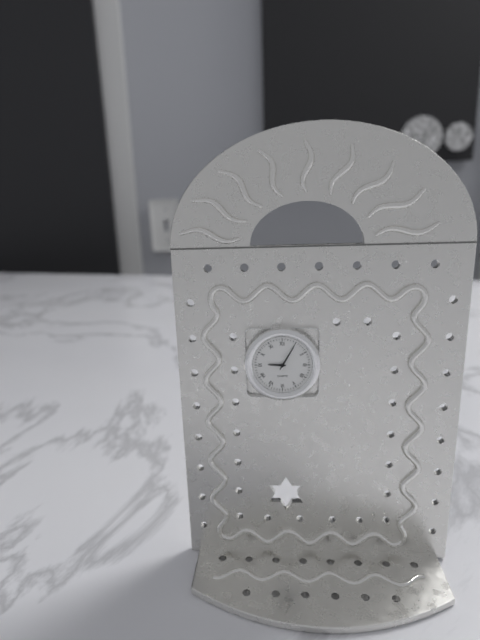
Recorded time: 9h05
